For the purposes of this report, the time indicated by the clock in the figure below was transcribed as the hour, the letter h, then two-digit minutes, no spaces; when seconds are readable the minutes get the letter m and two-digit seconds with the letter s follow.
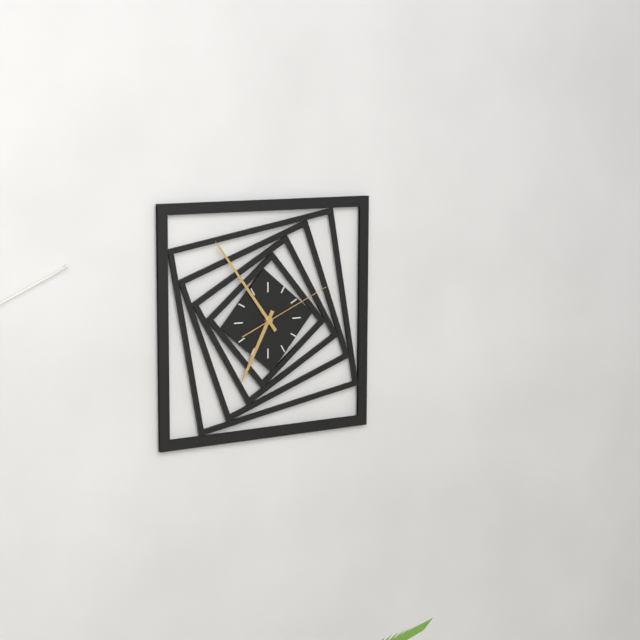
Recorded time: 6h54m11s
